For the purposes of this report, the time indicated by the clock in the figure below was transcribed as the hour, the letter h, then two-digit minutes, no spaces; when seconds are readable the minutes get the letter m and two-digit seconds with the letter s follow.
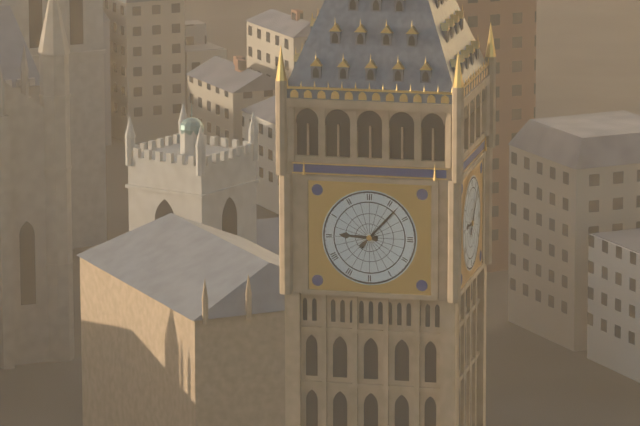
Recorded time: 9h07
